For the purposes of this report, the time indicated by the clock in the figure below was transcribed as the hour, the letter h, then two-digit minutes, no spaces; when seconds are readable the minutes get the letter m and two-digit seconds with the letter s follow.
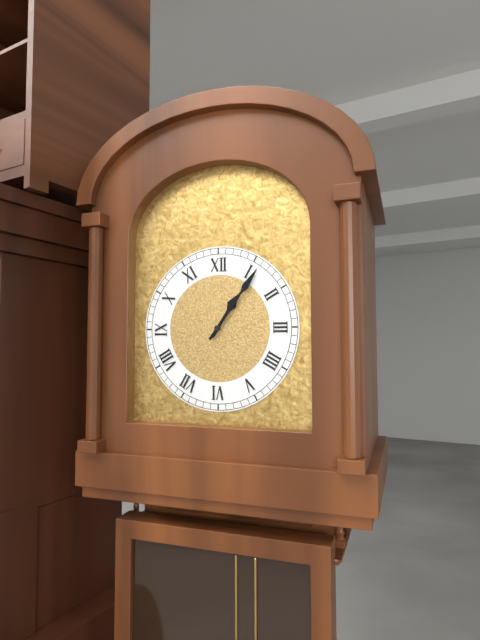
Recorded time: 1h06
